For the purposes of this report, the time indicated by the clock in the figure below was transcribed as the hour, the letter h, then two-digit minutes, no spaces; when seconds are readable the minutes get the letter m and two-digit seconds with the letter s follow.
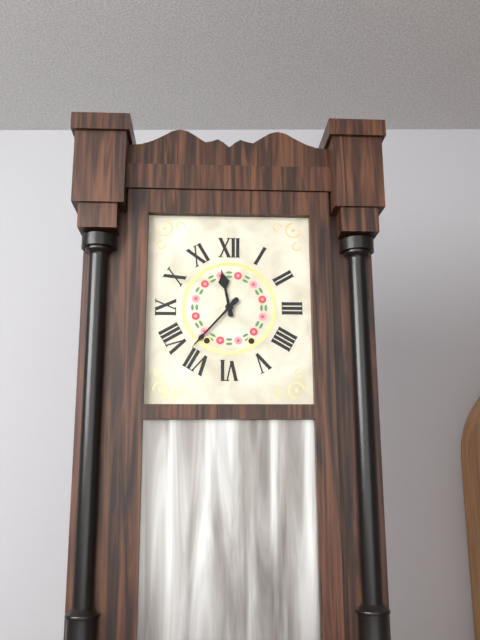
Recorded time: 11h37
